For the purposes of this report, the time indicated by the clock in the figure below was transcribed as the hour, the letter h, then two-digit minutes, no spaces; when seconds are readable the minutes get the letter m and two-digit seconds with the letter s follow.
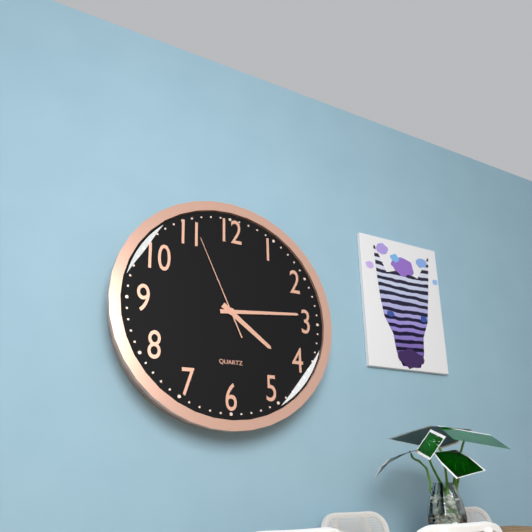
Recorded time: 4h14m56s
